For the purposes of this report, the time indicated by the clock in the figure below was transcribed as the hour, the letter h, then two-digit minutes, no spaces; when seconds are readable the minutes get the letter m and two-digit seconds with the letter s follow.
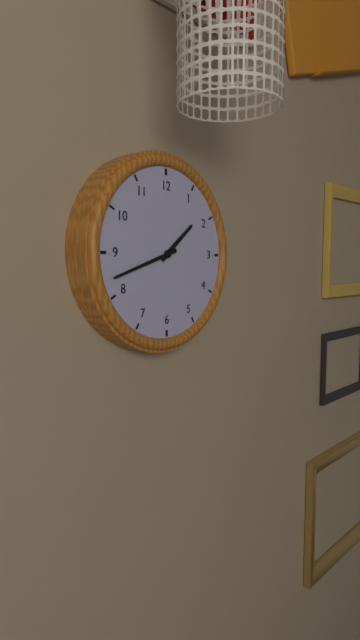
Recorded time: 1h42
